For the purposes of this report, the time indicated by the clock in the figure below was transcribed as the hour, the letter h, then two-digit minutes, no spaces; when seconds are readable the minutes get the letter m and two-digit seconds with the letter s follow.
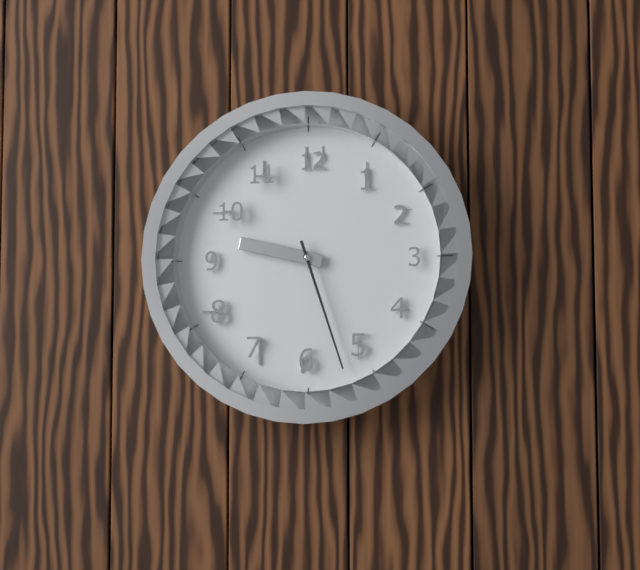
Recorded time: 9h27
